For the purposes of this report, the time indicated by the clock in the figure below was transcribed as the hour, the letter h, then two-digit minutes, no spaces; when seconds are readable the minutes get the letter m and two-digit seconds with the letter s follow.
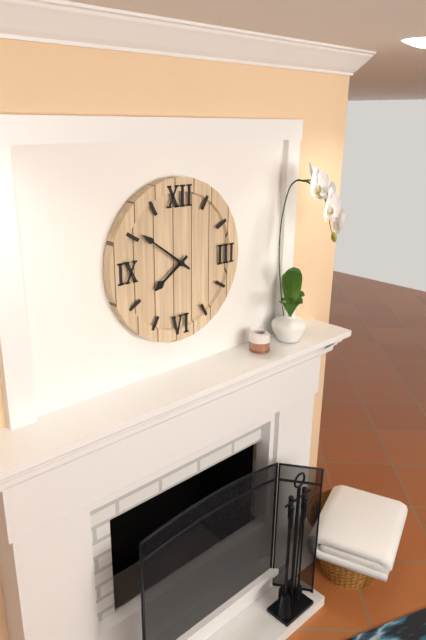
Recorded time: 7h51
